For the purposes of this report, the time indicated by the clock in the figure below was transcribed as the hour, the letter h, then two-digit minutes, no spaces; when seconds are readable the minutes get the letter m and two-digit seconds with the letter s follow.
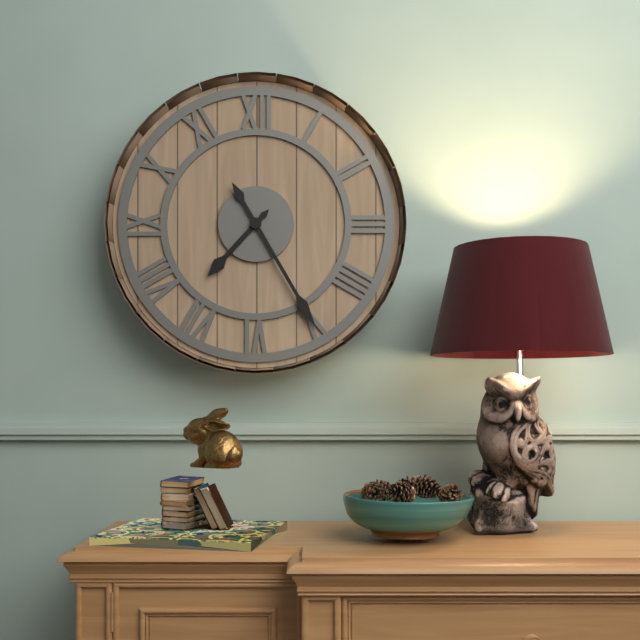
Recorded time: 7h25
